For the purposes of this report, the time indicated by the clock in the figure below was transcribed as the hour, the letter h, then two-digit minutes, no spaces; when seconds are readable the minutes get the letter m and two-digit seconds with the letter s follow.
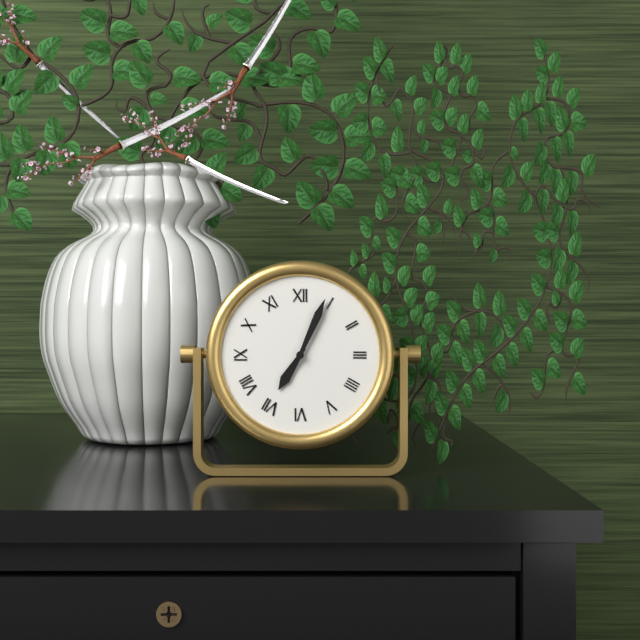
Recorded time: 7h04
